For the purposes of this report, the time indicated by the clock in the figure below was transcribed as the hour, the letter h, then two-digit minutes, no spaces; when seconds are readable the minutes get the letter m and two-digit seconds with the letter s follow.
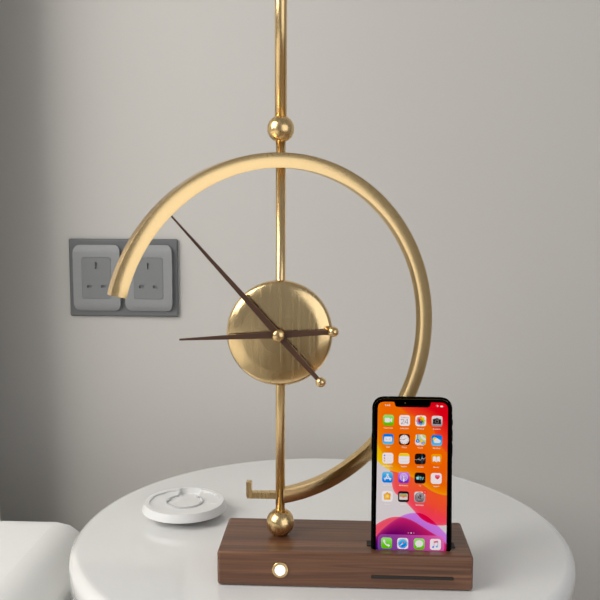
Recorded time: 8h53
